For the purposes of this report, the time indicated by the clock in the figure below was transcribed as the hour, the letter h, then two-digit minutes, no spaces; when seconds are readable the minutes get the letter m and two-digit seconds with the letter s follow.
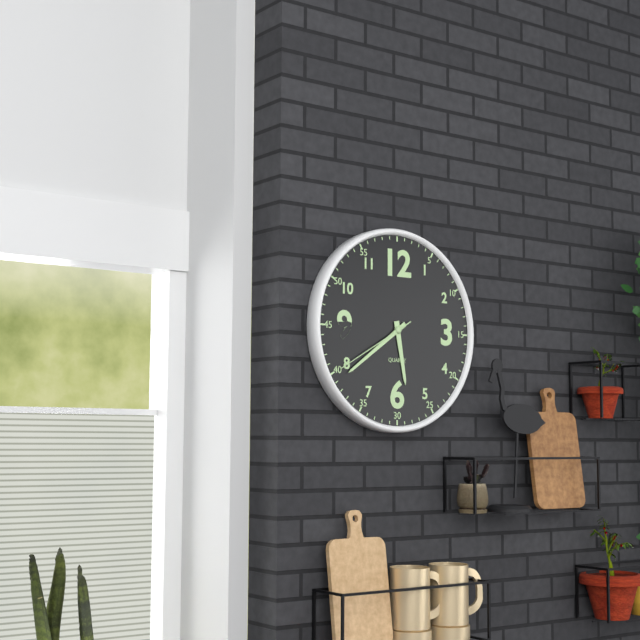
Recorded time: 5h39m40s
